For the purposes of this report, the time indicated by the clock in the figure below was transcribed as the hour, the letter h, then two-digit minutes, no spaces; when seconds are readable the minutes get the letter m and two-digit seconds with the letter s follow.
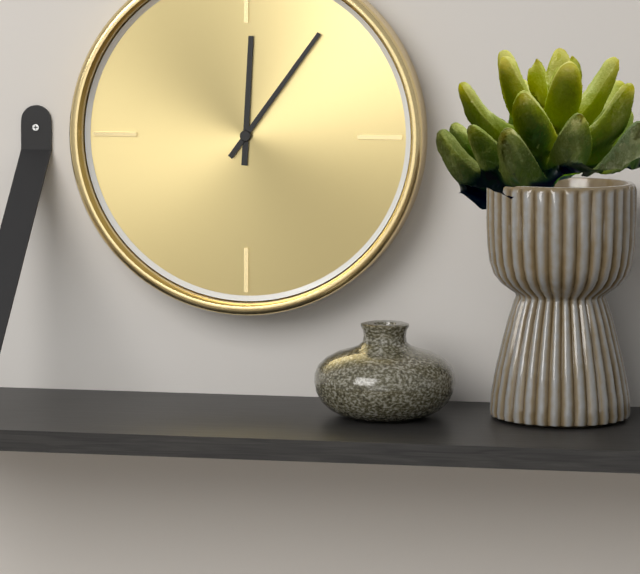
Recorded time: 12h06
